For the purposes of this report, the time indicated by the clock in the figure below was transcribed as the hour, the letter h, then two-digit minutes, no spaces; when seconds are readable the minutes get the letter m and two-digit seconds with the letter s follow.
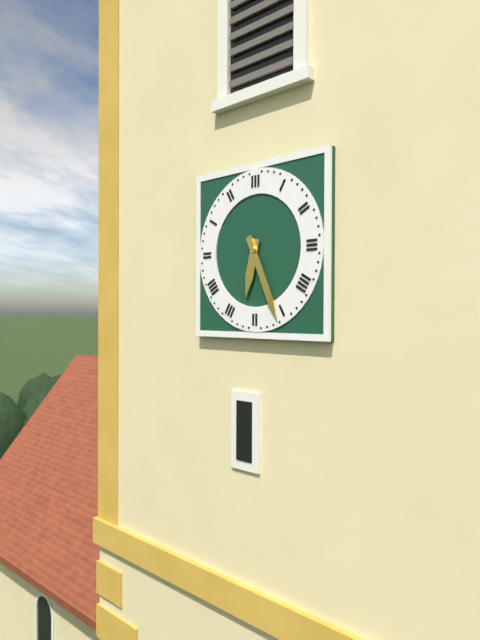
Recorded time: 6h26
